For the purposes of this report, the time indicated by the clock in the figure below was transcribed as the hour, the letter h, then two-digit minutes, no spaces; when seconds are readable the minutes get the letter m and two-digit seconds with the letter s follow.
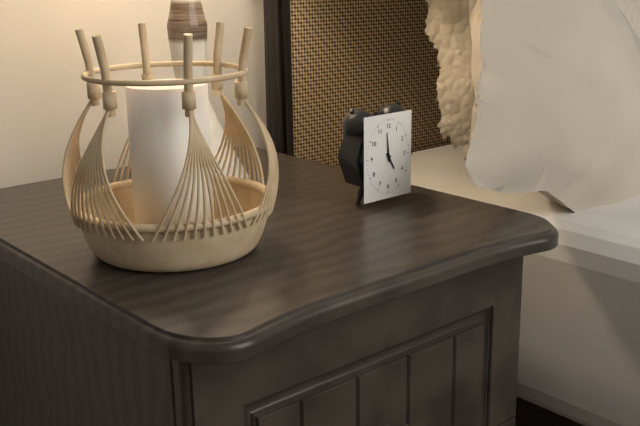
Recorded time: 4h59
